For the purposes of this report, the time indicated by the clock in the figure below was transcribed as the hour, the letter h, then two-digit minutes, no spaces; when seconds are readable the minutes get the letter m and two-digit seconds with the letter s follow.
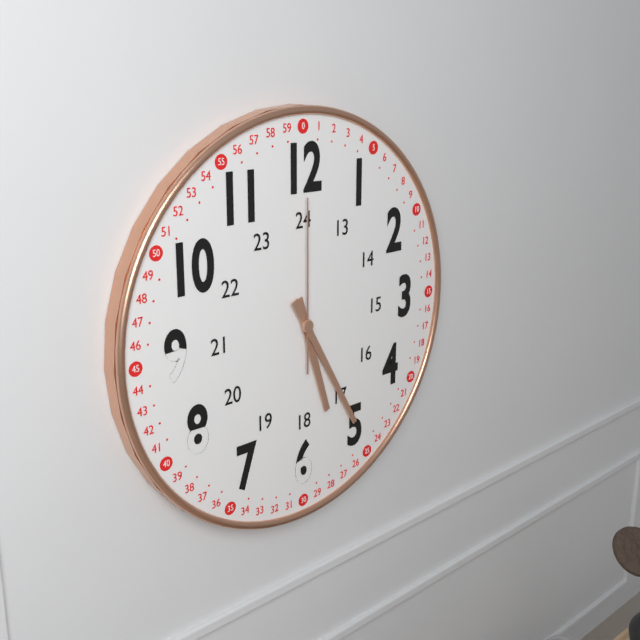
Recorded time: 5h25m00s
